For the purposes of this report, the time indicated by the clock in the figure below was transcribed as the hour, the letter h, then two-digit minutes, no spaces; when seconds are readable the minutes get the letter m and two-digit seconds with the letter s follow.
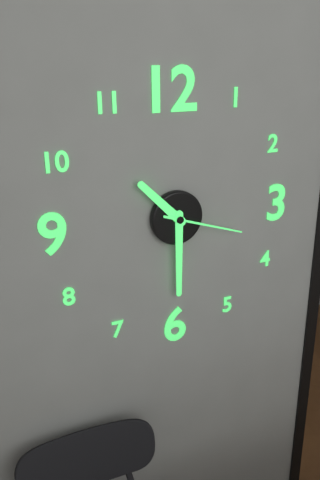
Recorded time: 10h30m18s
